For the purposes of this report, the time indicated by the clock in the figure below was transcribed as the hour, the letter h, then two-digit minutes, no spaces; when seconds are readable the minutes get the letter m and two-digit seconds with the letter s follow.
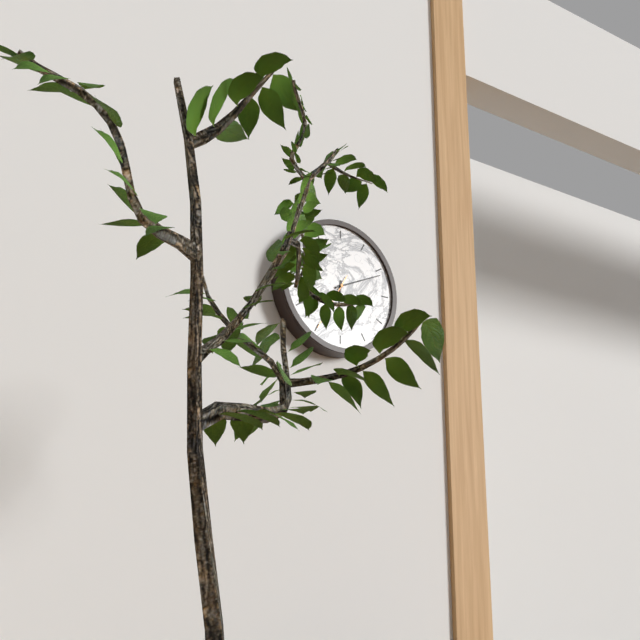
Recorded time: 6h11m35s
